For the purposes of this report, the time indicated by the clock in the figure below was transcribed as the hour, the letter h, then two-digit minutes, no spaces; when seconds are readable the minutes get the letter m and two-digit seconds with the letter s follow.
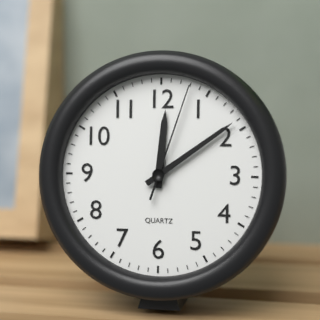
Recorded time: 12h09m03s
